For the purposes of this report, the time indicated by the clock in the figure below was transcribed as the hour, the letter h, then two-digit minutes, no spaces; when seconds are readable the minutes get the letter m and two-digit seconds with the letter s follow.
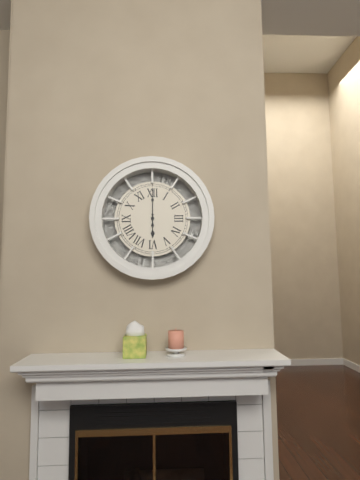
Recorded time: 6h00
